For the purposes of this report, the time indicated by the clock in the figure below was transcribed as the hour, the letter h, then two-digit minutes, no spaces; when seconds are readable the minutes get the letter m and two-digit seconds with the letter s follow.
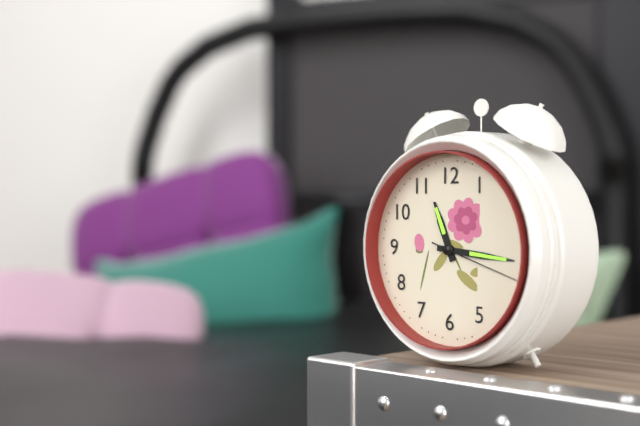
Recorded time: 11h16m18s
